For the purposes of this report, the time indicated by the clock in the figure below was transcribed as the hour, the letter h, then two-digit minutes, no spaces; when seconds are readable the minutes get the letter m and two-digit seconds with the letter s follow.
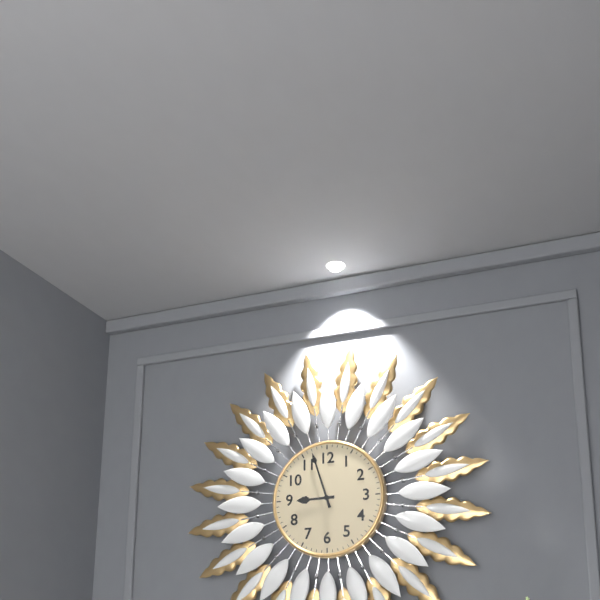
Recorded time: 8h57
